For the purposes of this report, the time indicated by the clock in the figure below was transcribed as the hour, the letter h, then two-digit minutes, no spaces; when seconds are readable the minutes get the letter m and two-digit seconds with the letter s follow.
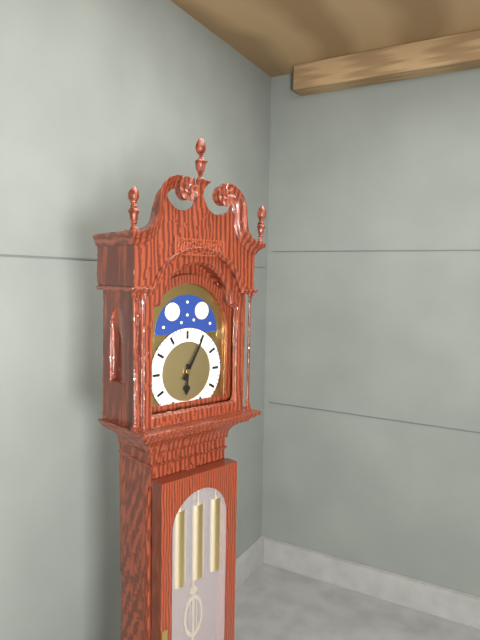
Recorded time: 6h05
